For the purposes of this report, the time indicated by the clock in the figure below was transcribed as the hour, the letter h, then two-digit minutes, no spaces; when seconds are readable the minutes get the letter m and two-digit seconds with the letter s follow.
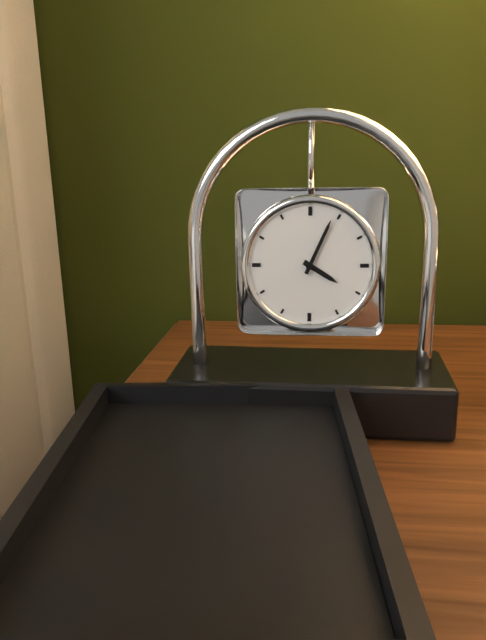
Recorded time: 4h04
